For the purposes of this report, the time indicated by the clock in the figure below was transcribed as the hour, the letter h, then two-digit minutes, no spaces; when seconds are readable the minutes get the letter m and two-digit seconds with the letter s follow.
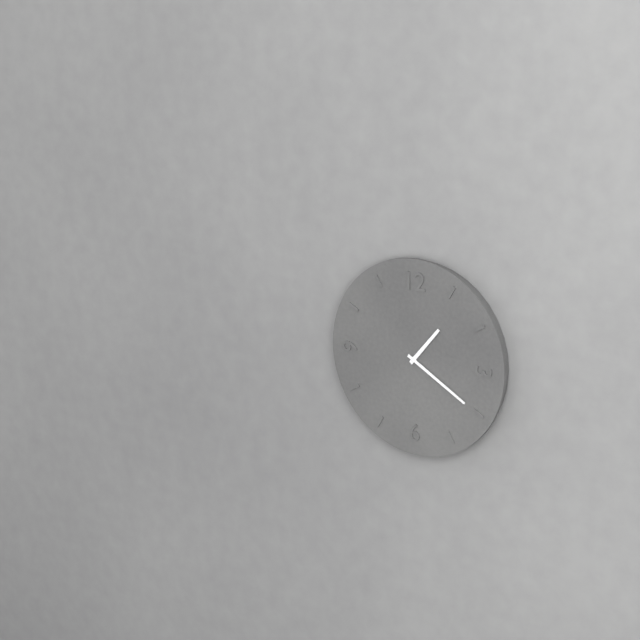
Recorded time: 1h20
